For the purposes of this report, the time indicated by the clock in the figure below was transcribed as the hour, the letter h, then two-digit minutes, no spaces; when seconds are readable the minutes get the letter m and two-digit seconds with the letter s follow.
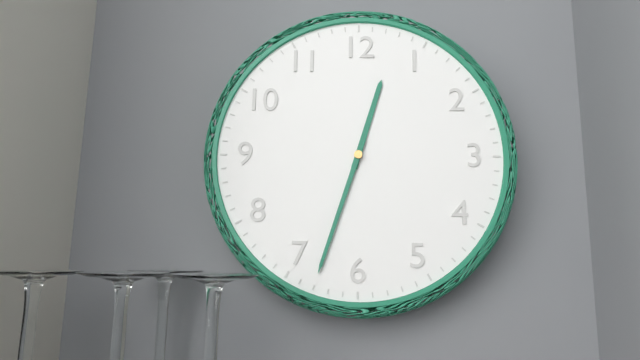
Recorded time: 12h33
